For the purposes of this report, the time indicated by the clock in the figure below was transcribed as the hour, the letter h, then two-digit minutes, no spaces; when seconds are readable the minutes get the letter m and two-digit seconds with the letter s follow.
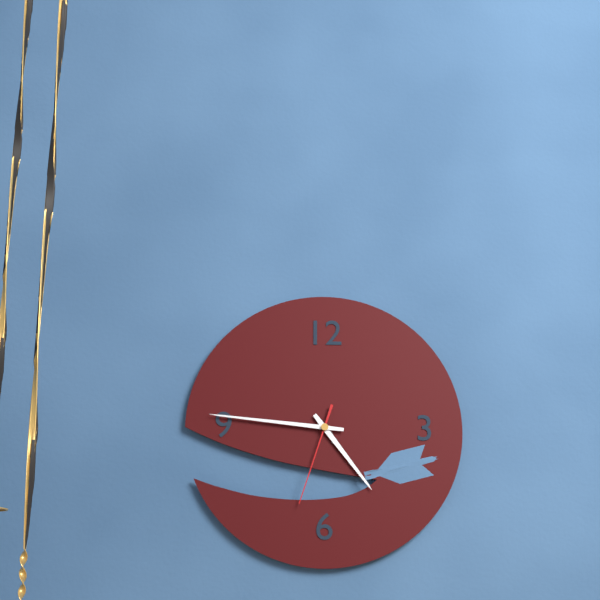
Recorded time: 4h46m33s
